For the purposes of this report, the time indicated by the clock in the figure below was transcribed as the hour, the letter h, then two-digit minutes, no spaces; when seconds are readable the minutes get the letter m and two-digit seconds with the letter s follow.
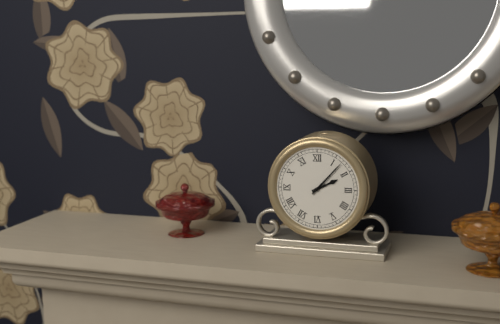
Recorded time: 2h07
